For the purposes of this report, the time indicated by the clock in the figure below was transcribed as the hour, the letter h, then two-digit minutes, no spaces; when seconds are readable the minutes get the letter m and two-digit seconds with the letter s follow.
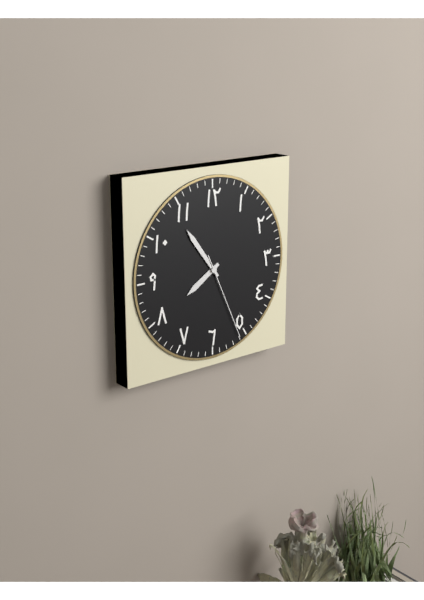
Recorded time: 7h54m26s
